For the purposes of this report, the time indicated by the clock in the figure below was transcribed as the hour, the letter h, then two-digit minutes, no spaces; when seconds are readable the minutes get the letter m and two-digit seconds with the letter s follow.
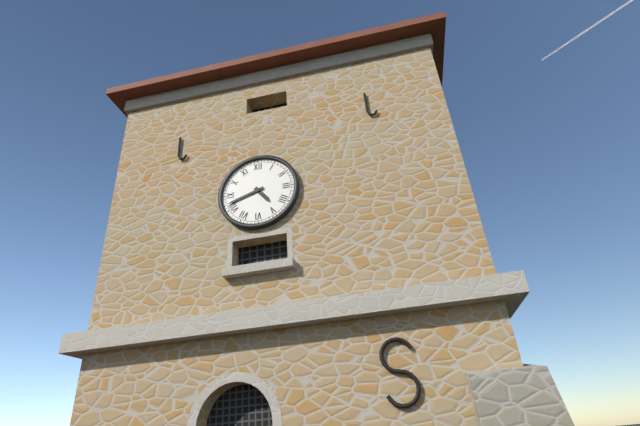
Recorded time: 4h42
